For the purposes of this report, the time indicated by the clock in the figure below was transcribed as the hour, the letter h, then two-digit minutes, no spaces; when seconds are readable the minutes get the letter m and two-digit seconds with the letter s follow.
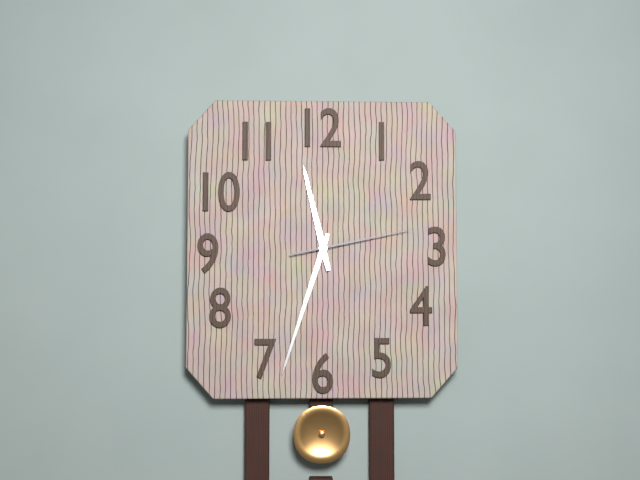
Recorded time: 11h33m13s
